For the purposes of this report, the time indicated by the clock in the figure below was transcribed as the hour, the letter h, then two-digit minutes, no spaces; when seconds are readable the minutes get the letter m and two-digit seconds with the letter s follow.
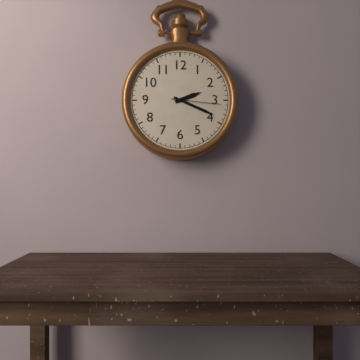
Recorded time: 2h19m16s
